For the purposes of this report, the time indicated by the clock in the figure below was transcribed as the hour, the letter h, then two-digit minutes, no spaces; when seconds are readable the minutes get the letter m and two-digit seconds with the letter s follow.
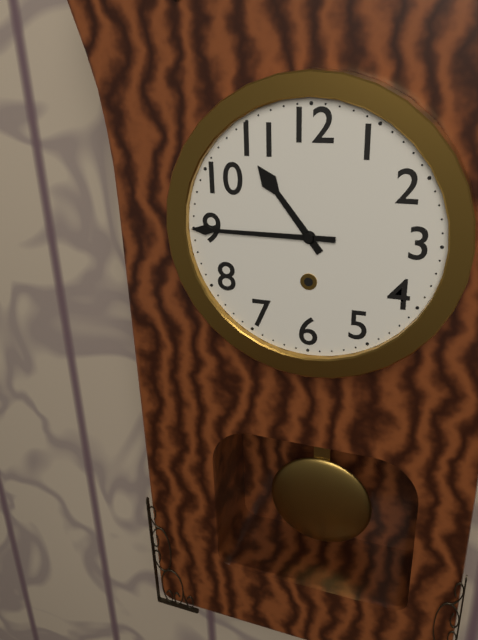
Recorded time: 10h45
